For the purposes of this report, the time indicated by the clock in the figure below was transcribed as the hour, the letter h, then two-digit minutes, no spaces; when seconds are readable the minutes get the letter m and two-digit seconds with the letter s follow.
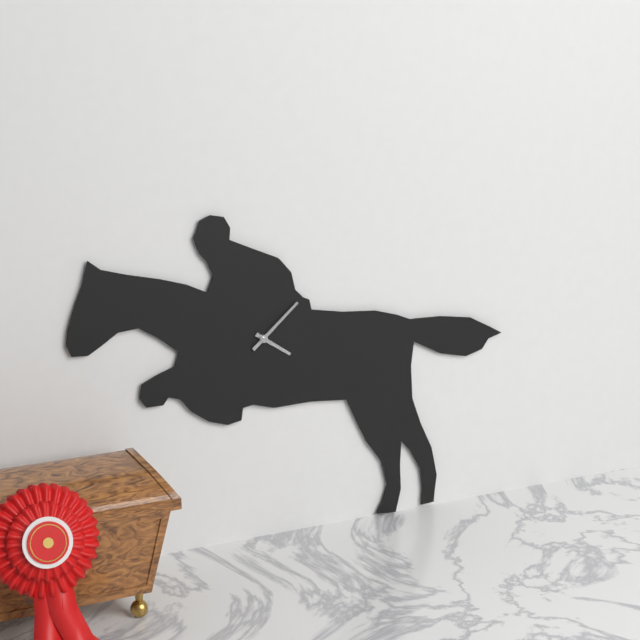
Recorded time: 4h08
